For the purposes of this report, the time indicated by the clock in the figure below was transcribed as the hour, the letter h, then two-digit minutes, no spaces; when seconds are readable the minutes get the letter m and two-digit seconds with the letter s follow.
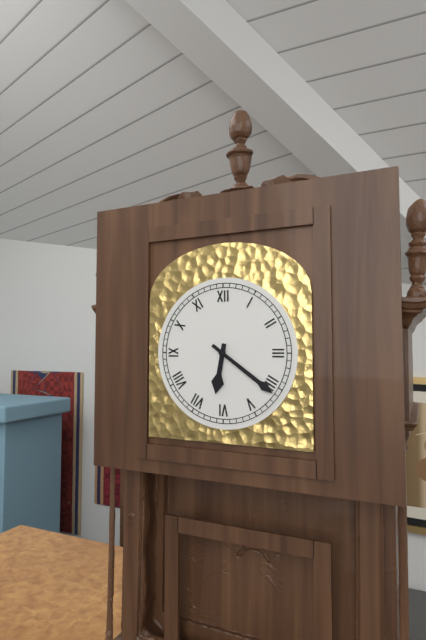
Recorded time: 6h21
